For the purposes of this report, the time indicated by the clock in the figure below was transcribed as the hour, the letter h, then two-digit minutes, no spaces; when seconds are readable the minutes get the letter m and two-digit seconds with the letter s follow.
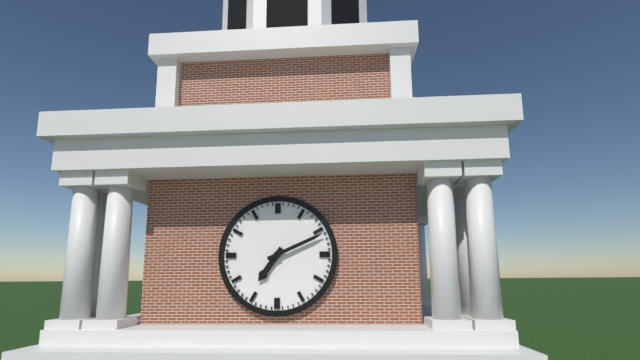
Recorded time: 7h11
